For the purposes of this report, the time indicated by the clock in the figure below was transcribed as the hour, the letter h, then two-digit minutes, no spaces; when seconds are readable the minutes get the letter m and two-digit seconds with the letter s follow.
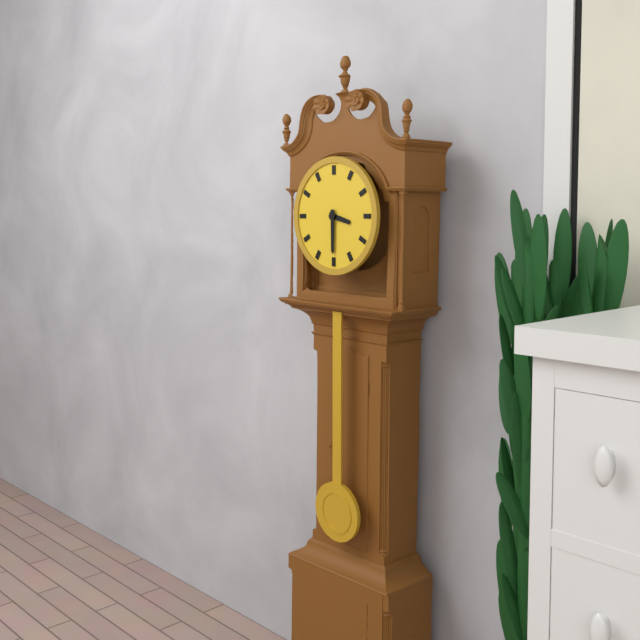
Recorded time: 3h30
